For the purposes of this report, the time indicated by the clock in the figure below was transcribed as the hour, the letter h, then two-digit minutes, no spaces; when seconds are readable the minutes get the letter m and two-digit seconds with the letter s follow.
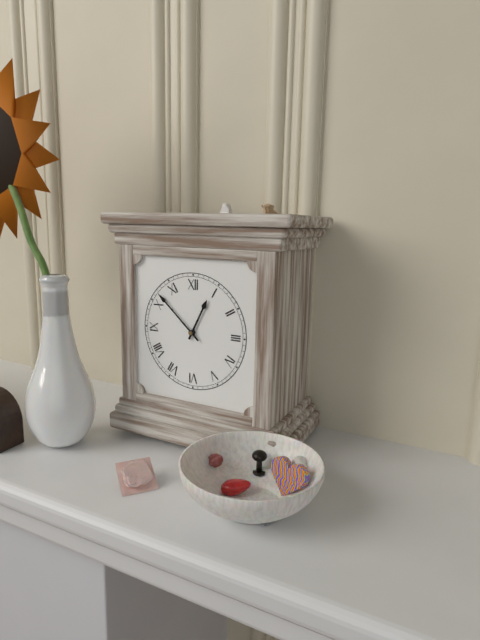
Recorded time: 12h52
